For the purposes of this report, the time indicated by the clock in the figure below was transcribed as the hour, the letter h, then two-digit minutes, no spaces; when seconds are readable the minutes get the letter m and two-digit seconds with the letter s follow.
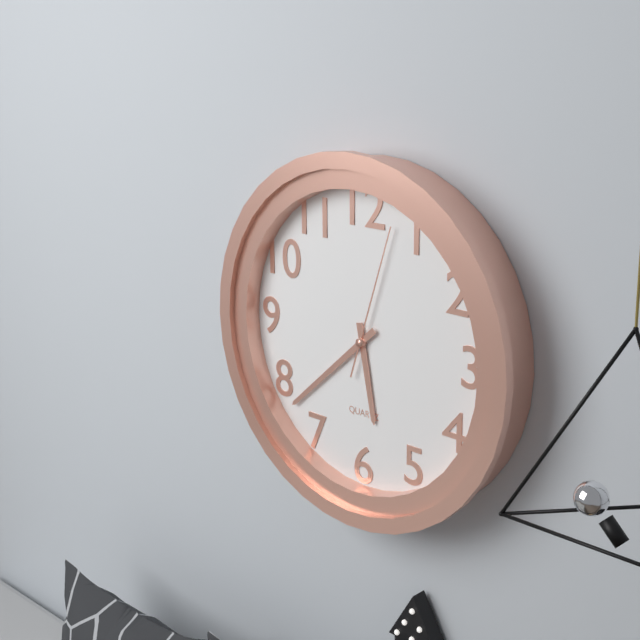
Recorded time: 5h38m03s
